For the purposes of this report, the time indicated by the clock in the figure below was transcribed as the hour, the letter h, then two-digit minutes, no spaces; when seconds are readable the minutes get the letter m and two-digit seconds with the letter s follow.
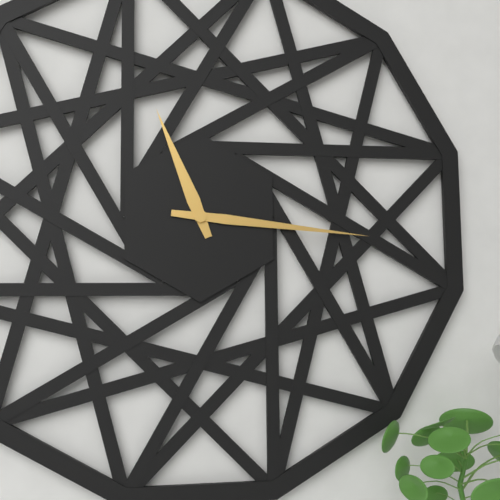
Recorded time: 11h16
